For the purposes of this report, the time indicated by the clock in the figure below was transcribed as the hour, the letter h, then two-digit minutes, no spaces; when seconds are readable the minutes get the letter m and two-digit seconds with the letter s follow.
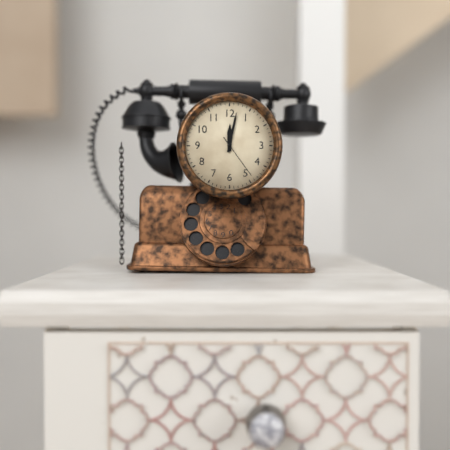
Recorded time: 12h02
